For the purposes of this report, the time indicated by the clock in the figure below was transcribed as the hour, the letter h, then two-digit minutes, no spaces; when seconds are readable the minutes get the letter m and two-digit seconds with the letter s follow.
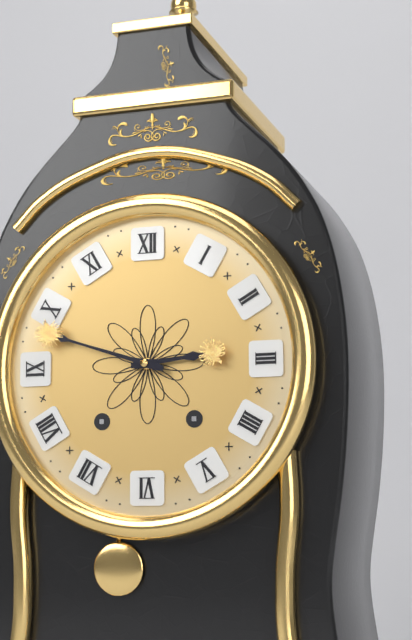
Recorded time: 2h48
